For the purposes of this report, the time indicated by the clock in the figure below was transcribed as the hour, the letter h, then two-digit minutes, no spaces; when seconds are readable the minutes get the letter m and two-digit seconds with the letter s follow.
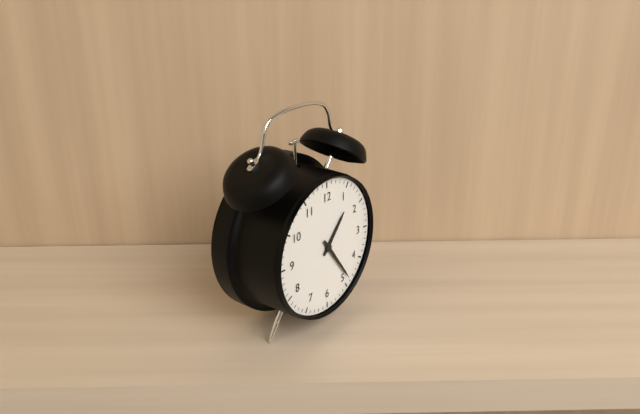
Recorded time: 1h24
